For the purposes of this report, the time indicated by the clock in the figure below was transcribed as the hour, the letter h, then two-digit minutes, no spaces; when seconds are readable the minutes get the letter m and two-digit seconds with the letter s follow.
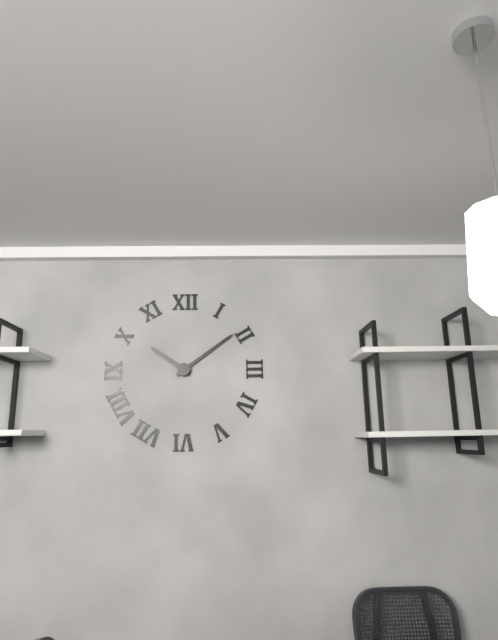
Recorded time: 10h09
